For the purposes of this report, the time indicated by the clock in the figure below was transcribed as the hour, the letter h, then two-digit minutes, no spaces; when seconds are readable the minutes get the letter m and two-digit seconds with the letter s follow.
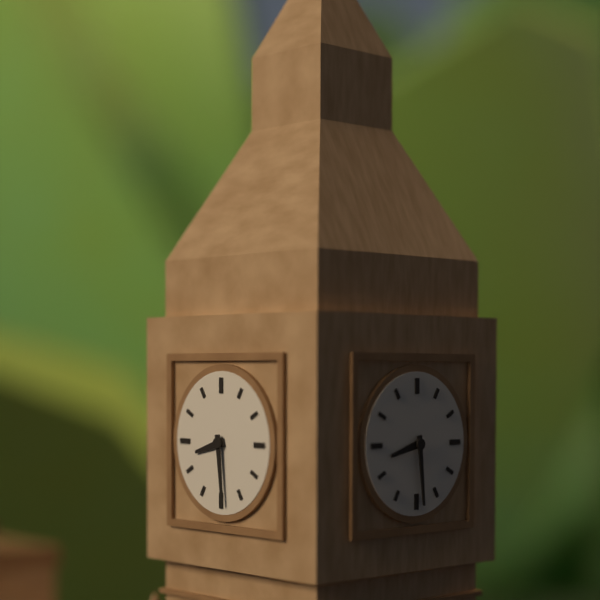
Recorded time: 8h29
